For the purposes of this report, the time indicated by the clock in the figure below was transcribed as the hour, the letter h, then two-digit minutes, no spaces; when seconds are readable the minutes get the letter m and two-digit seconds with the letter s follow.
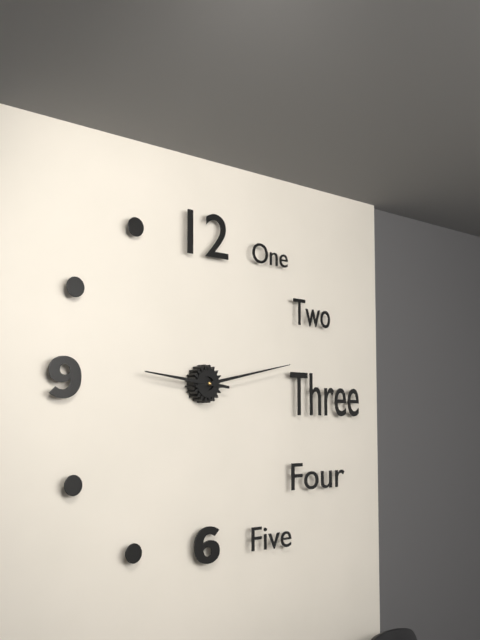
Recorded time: 9h13
